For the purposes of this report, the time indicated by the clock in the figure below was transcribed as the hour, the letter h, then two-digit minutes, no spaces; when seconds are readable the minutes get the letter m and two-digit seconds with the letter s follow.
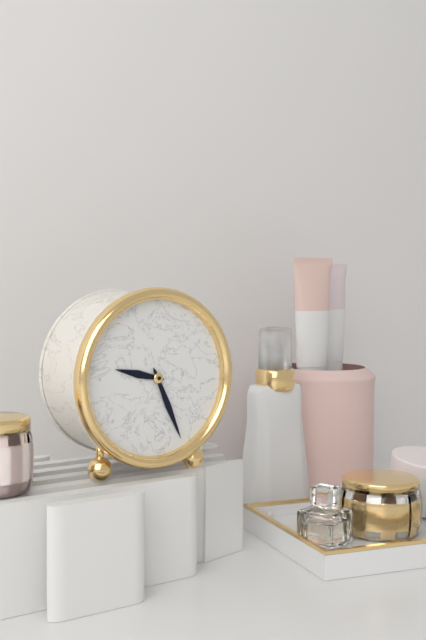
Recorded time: 9h26
